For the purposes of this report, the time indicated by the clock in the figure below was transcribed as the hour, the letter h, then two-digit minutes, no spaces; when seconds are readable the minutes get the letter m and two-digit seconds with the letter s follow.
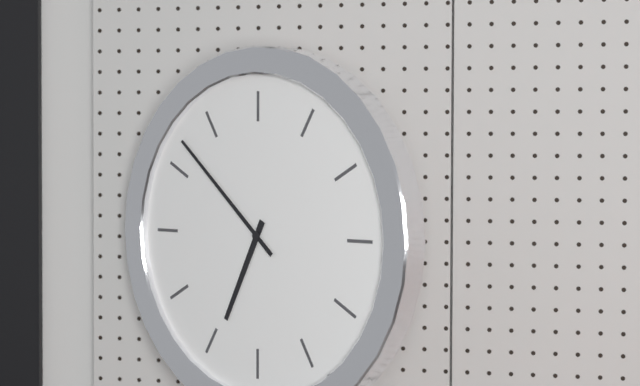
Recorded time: 6h52
